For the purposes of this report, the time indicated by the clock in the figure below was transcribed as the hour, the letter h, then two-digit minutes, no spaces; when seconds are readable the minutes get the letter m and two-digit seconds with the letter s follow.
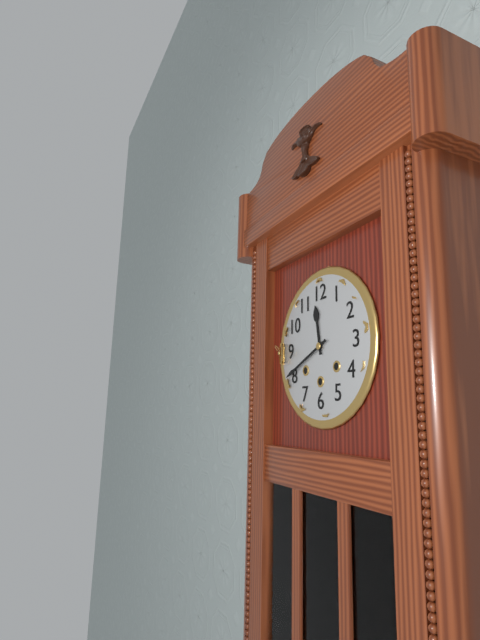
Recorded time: 11h41
